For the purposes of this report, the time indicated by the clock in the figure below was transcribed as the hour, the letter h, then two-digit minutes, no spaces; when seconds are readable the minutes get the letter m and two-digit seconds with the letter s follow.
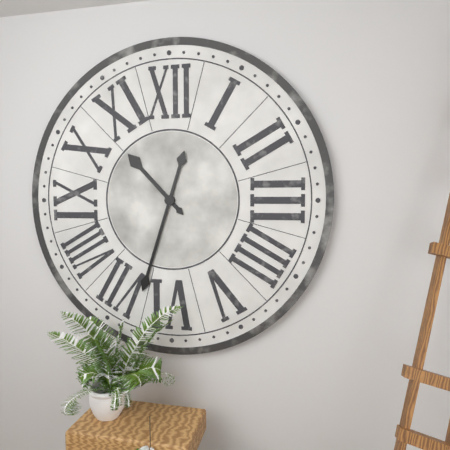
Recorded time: 10h33
